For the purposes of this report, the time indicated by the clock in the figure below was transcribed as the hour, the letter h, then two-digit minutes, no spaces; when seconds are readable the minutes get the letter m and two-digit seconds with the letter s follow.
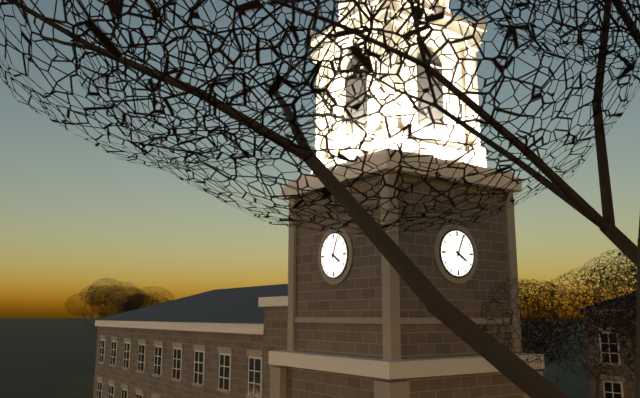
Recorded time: 4h04
